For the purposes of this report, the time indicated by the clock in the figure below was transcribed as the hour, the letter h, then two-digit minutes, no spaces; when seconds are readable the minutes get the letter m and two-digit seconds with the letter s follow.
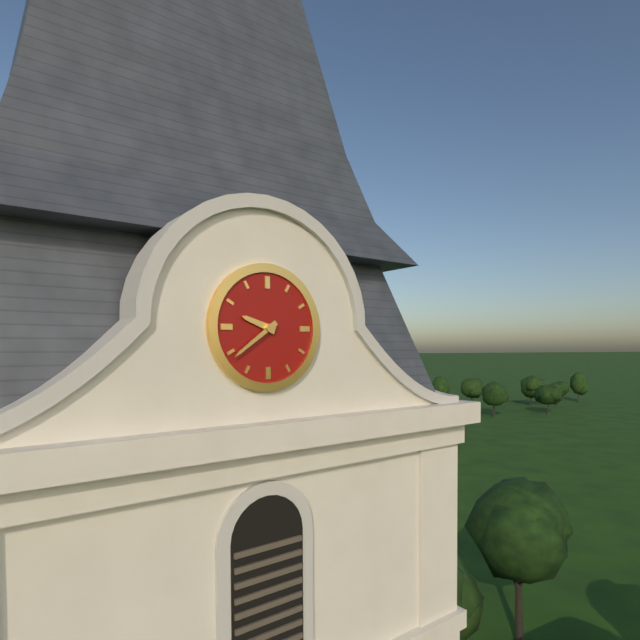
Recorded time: 9h39
